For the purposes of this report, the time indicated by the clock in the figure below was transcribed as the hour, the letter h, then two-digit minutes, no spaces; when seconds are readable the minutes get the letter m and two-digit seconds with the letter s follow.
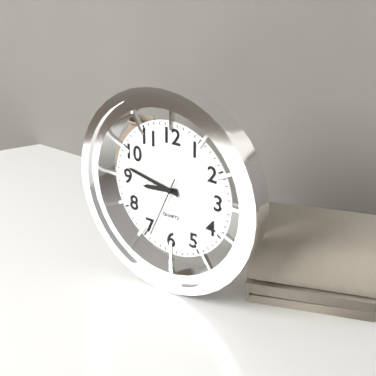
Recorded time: 8h47m34s
